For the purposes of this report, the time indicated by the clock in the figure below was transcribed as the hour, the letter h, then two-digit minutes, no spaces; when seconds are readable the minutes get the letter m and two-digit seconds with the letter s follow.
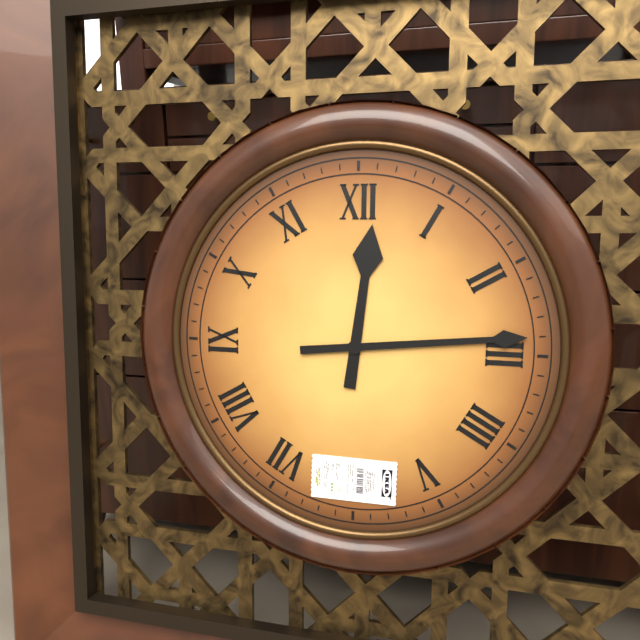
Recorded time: 12h14
